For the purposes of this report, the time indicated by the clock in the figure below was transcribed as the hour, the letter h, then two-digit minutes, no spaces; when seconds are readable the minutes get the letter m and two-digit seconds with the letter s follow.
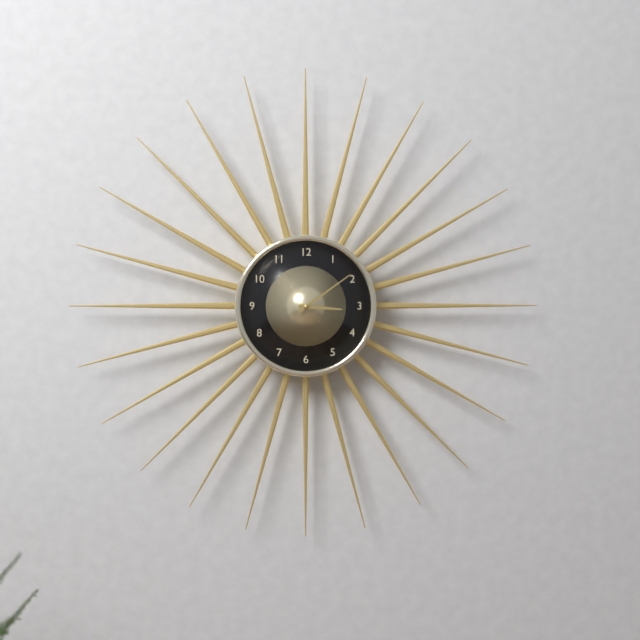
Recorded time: 3h09
